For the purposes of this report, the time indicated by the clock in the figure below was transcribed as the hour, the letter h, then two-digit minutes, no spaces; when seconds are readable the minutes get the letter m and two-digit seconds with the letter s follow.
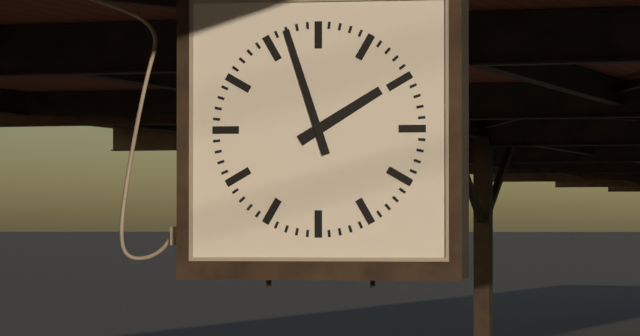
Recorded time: 1h57
